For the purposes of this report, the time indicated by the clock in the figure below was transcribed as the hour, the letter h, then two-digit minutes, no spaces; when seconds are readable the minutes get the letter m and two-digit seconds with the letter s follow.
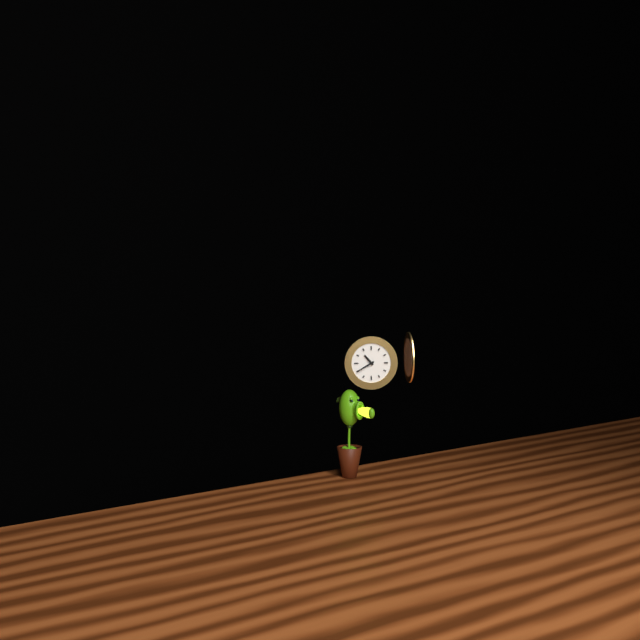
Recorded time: 10h40
